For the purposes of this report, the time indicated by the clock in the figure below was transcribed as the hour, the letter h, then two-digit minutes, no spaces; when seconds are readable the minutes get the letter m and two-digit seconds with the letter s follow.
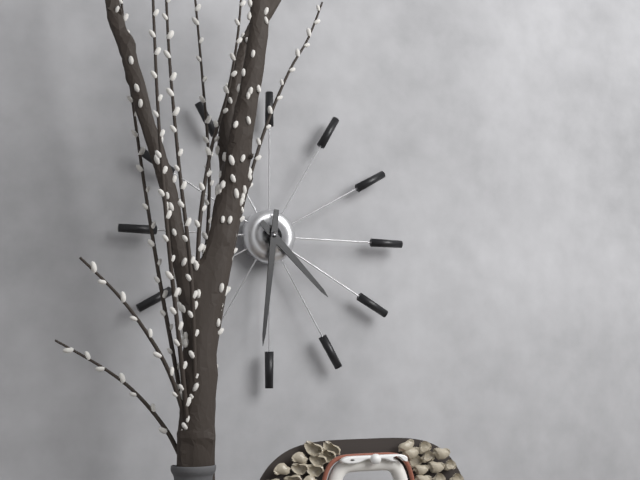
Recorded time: 4h31
